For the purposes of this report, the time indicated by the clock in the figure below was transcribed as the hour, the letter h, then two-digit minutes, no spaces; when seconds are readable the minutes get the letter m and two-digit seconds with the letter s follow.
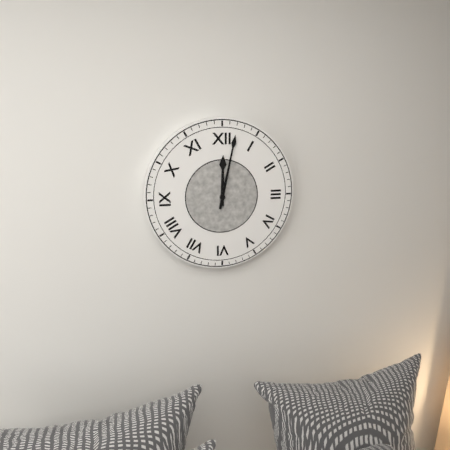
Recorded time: 12h02
